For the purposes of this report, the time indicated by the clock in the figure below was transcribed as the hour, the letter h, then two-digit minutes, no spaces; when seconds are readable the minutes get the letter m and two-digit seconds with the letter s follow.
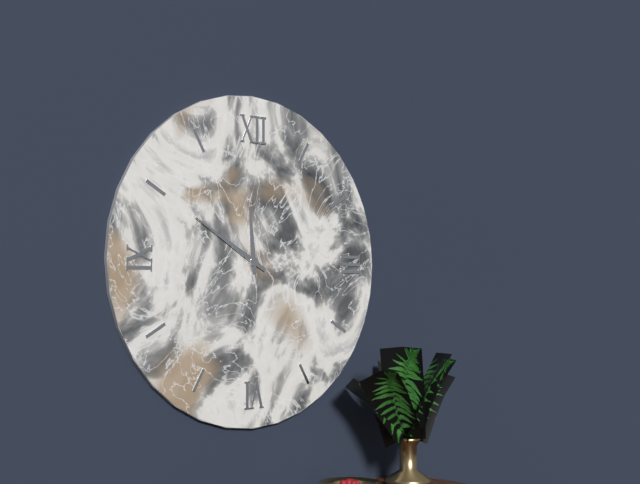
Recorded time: 11h50
